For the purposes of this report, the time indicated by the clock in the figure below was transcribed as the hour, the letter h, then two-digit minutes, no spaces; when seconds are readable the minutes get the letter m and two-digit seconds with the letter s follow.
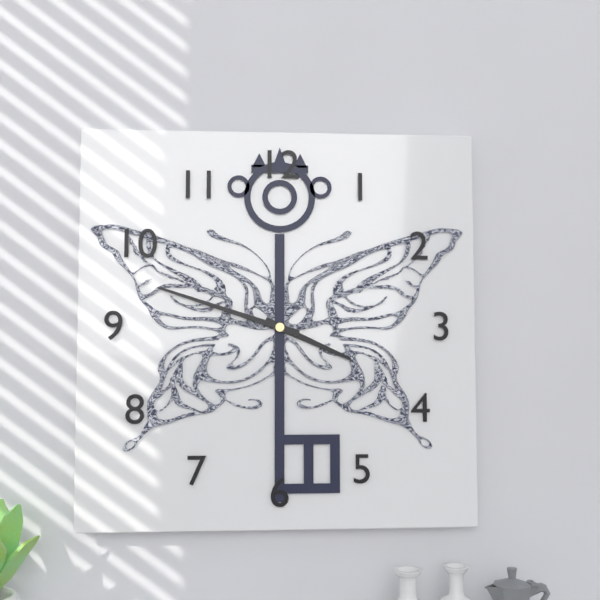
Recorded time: 3h48
